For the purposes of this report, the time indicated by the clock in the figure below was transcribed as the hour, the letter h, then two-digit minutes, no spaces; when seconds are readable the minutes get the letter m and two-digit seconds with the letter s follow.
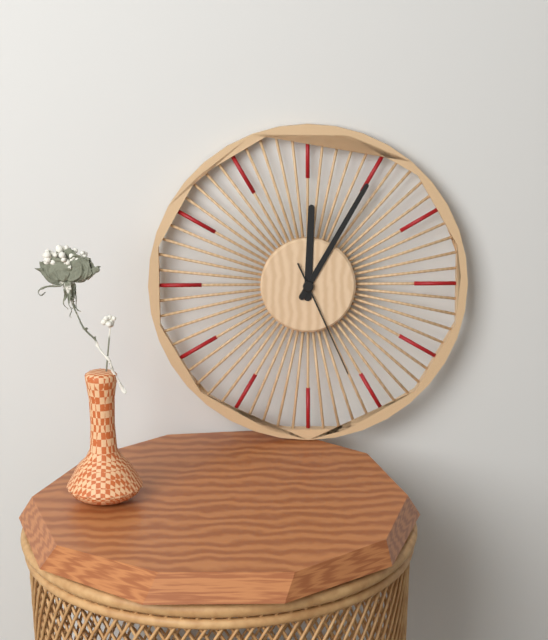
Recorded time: 12h05m26s
